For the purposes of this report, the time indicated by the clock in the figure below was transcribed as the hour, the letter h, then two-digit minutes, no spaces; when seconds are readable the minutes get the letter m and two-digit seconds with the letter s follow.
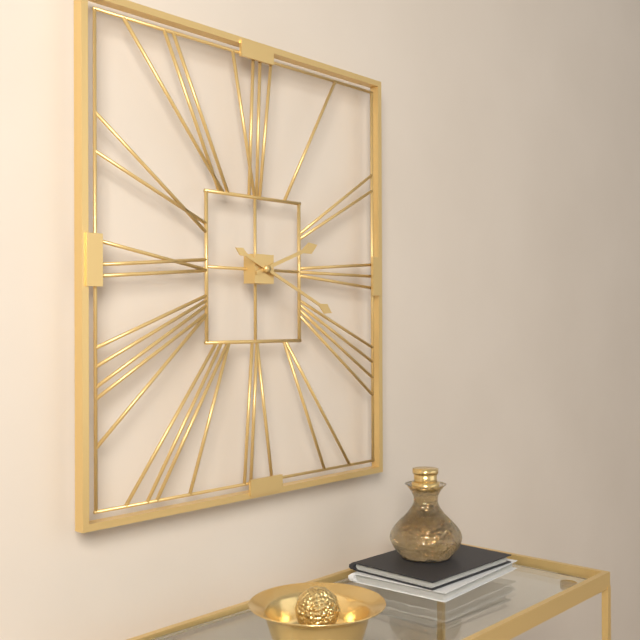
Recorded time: 2h19
